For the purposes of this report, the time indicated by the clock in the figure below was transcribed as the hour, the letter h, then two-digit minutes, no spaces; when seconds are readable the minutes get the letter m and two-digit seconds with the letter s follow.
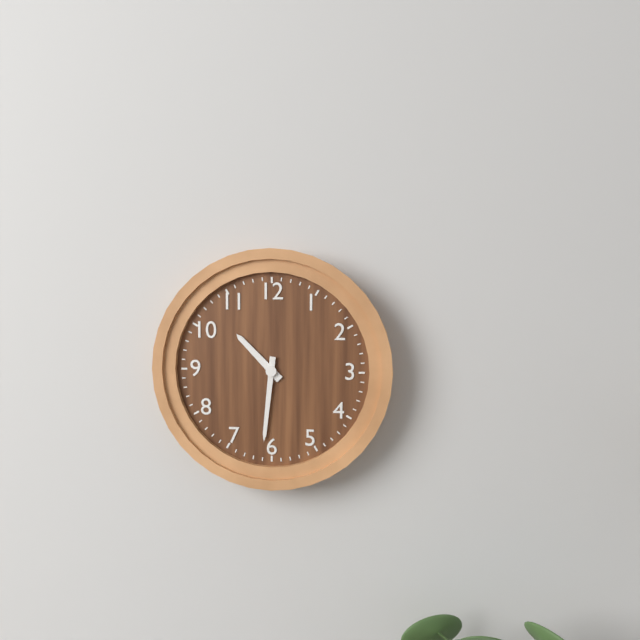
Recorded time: 10h31
